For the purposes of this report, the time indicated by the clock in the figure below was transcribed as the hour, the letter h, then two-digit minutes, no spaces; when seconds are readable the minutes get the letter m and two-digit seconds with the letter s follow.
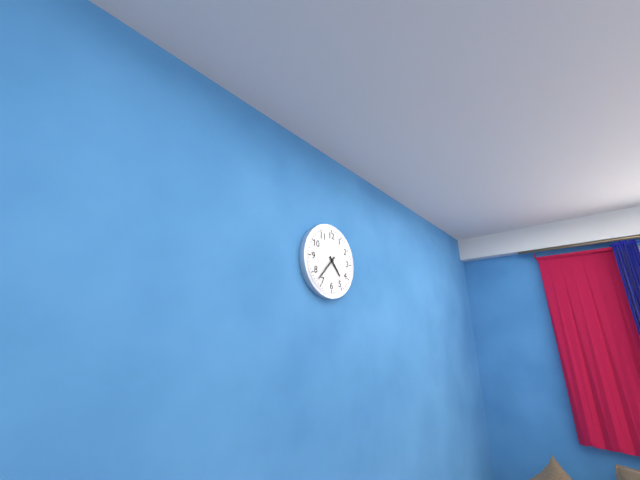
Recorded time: 4h37
